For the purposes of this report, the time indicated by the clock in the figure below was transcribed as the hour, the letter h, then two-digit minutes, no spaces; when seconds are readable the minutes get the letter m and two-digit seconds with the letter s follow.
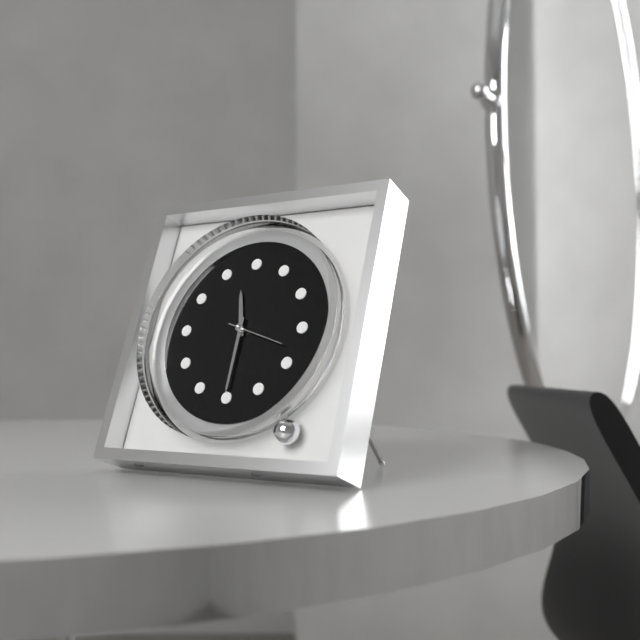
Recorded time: 11h30m18s
